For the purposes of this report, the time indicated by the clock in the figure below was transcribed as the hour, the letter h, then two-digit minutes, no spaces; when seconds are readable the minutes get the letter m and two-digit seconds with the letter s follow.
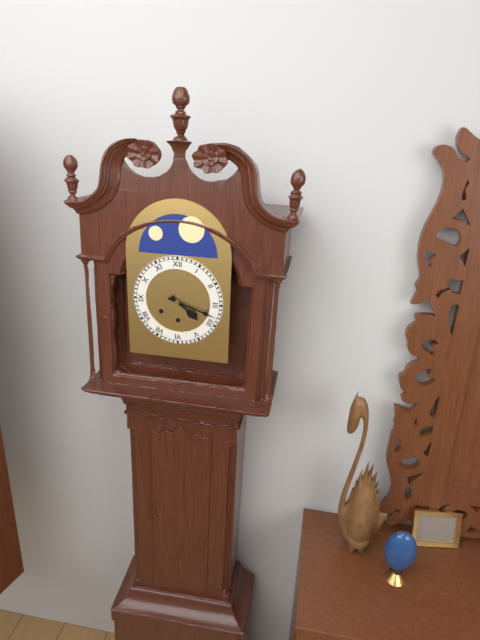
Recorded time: 4h18
